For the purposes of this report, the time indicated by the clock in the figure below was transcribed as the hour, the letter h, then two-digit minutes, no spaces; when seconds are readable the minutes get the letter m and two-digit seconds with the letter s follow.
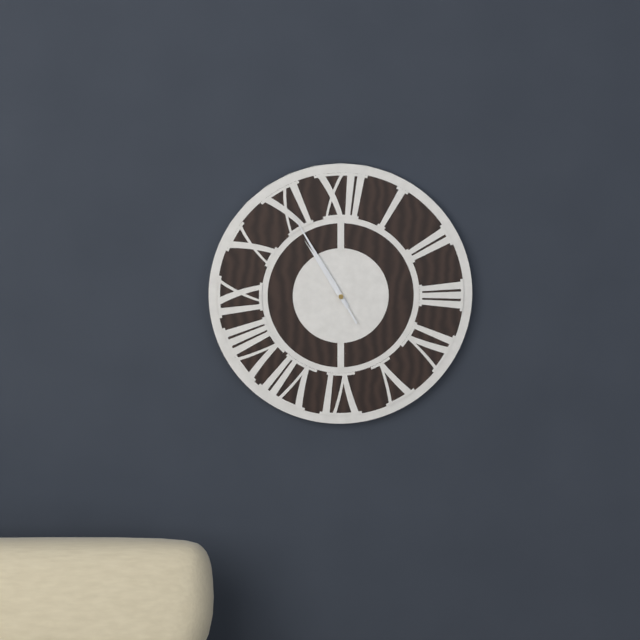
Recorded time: 10h55m55s
